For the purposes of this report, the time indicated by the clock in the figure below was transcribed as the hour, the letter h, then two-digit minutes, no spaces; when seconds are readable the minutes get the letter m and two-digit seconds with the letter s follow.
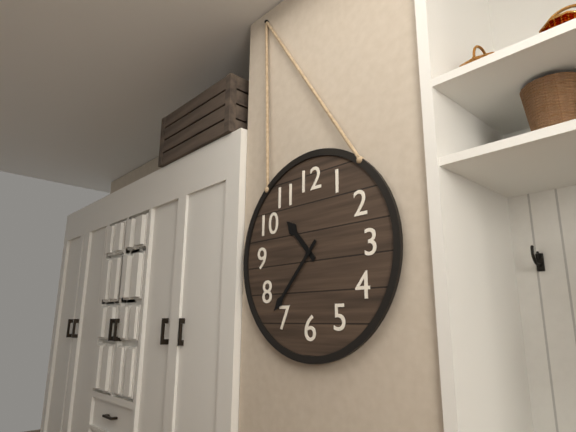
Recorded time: 10h37
